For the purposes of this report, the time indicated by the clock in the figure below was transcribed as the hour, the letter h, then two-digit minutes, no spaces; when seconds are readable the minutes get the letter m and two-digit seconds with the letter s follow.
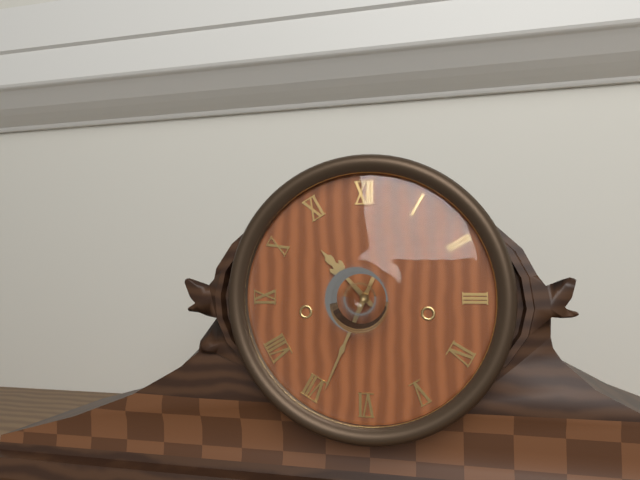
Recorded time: 10h34
